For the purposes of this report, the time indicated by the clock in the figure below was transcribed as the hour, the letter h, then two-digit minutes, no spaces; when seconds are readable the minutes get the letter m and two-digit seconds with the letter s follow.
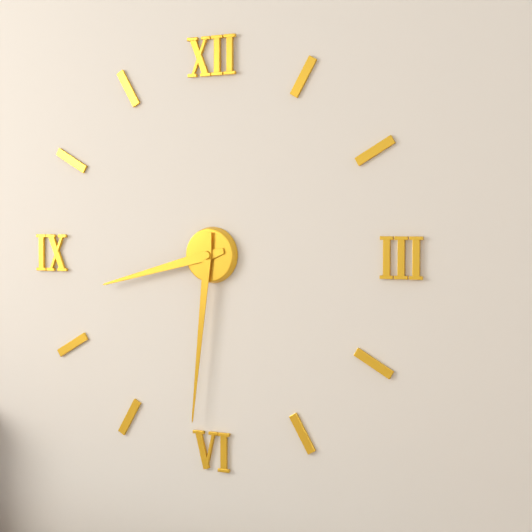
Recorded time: 8h31
